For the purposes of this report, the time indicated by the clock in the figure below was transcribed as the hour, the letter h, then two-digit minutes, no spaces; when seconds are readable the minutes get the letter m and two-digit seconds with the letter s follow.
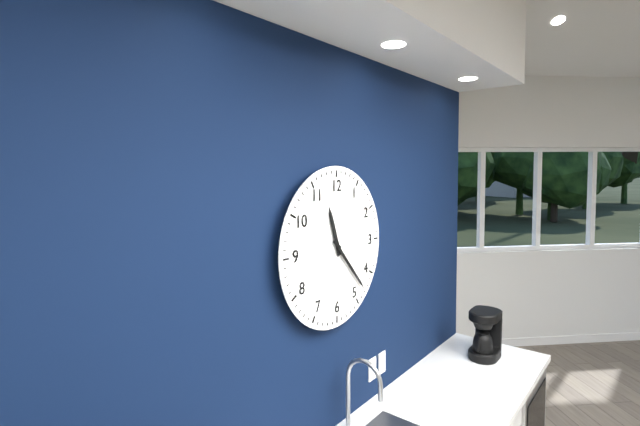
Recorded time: 11h23
